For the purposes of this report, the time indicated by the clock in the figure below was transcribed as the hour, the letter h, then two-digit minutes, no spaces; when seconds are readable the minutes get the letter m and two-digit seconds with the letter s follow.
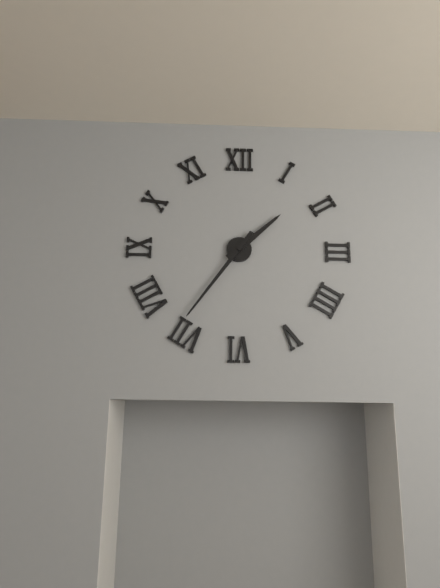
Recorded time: 1h36
